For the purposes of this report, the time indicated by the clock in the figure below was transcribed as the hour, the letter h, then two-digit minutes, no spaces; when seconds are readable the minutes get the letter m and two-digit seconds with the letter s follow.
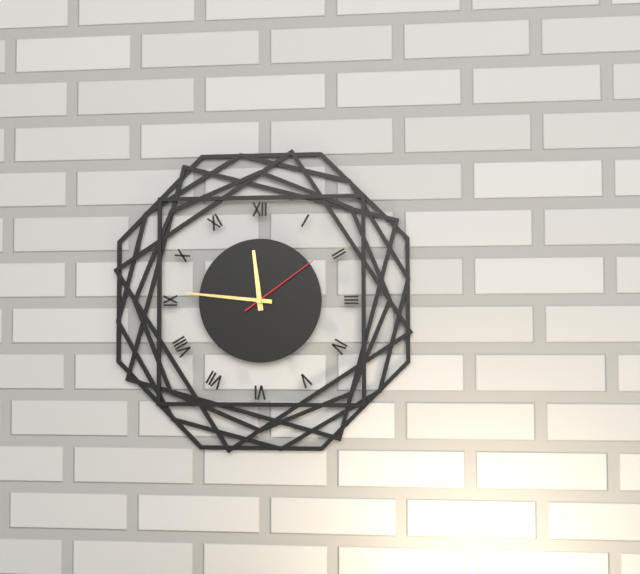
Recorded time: 11h46m09s
